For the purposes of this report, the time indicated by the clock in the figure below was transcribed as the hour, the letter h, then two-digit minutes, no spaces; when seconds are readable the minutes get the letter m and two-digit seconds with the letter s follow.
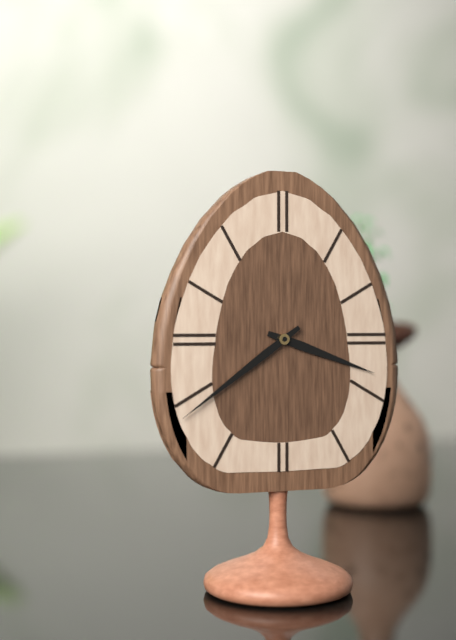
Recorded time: 3h39
